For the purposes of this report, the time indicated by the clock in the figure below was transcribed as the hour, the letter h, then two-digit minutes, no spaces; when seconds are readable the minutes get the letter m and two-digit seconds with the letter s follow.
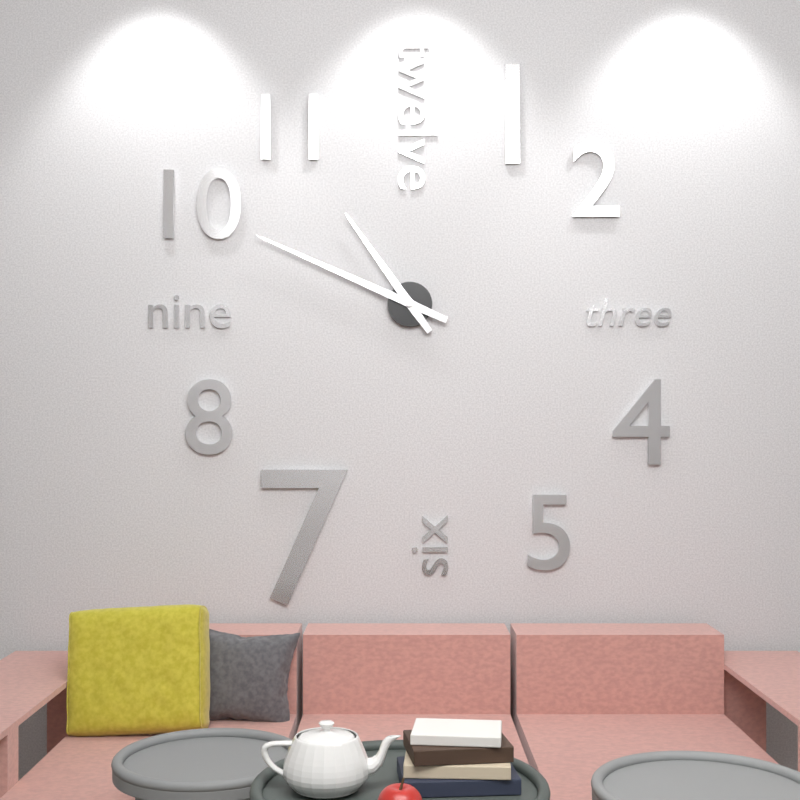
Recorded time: 10h49
